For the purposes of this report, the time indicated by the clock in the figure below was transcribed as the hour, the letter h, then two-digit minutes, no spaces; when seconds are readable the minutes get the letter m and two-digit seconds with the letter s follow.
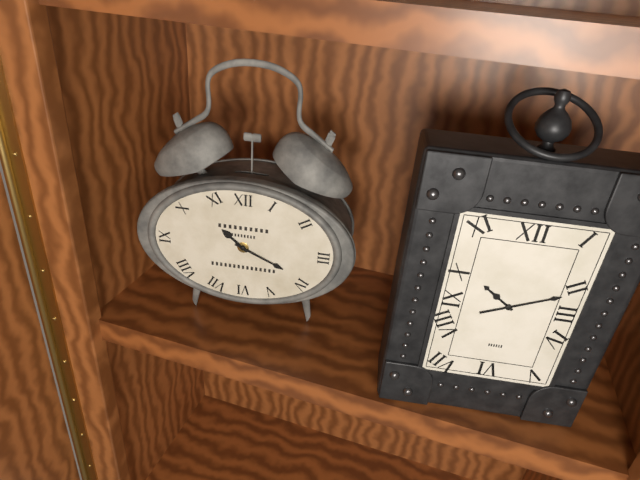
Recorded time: 10h19
